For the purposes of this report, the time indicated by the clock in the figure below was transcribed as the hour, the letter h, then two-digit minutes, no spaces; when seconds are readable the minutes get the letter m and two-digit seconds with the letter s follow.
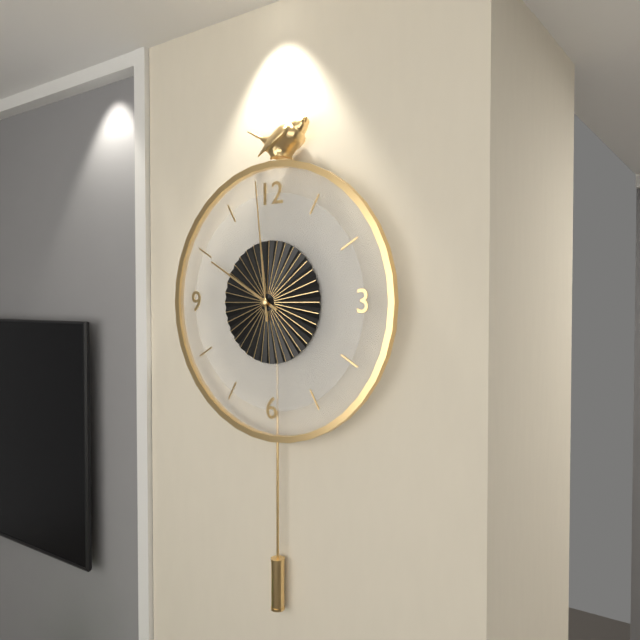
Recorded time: 9h59
